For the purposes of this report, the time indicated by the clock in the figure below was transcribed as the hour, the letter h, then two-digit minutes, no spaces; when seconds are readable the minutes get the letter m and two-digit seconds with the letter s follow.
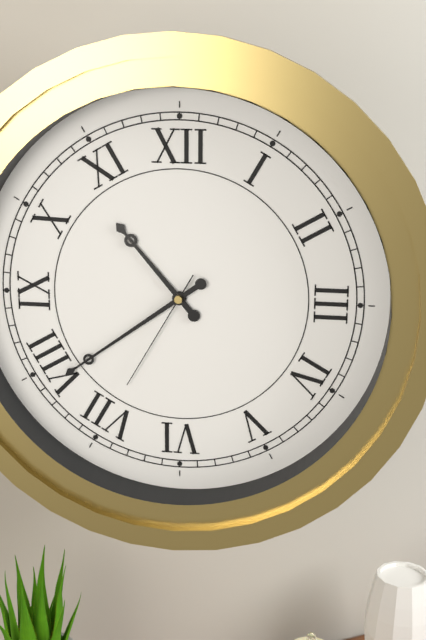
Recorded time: 10h39m35s
